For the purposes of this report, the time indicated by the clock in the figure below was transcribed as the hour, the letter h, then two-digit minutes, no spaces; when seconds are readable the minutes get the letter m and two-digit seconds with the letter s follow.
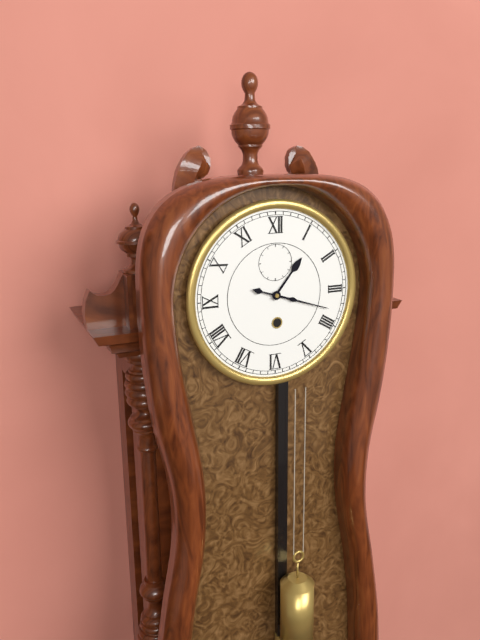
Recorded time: 1h18
